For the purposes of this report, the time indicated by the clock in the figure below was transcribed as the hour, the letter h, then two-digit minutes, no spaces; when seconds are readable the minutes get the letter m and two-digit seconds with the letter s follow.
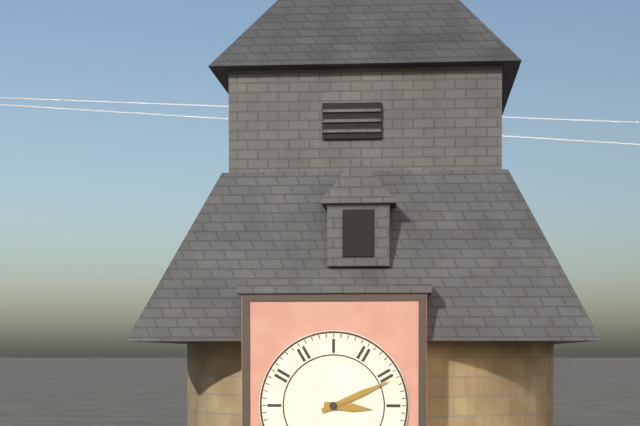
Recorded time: 3h11
